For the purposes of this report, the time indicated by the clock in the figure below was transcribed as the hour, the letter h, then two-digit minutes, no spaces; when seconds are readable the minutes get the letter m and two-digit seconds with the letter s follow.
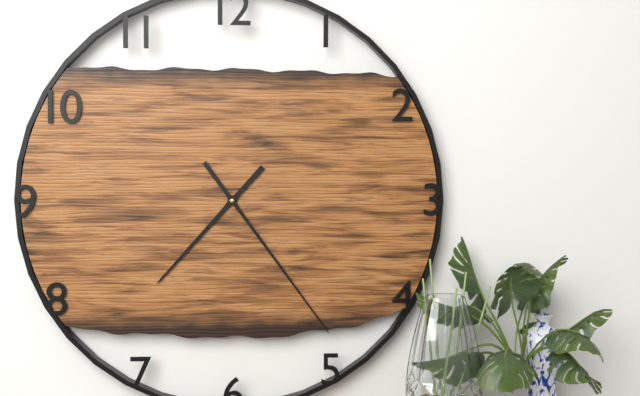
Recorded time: 7h24
